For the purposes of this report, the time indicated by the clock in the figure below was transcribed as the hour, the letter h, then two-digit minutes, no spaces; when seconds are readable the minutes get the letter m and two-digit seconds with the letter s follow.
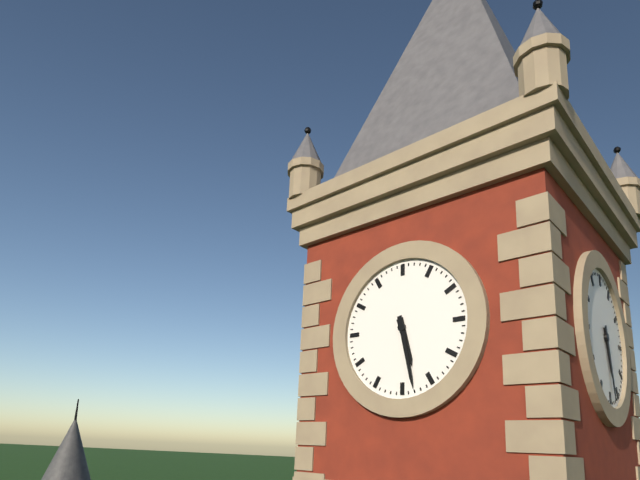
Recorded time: 5h28
